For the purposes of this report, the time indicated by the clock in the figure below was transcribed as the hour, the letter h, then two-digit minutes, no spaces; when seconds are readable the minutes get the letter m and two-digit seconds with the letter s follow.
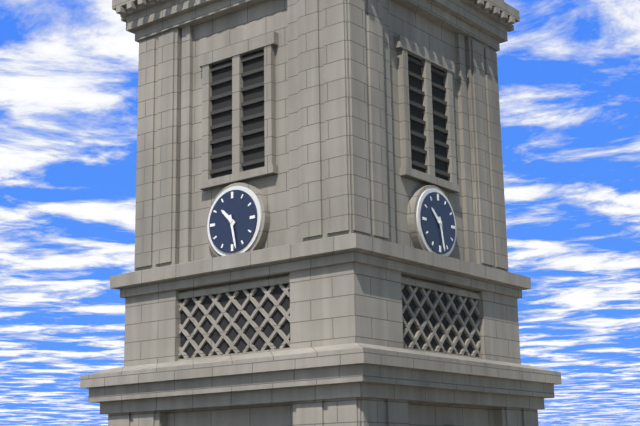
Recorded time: 10h28
